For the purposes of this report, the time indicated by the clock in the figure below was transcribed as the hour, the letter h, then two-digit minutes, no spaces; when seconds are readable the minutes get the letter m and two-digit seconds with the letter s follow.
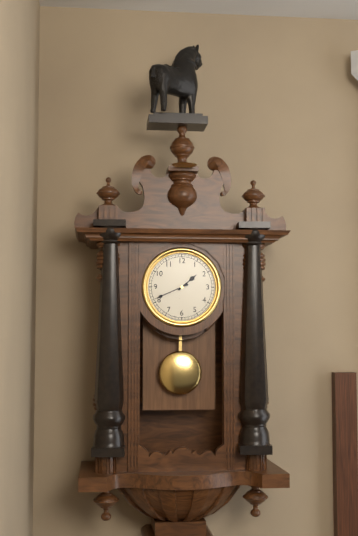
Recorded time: 1h41
